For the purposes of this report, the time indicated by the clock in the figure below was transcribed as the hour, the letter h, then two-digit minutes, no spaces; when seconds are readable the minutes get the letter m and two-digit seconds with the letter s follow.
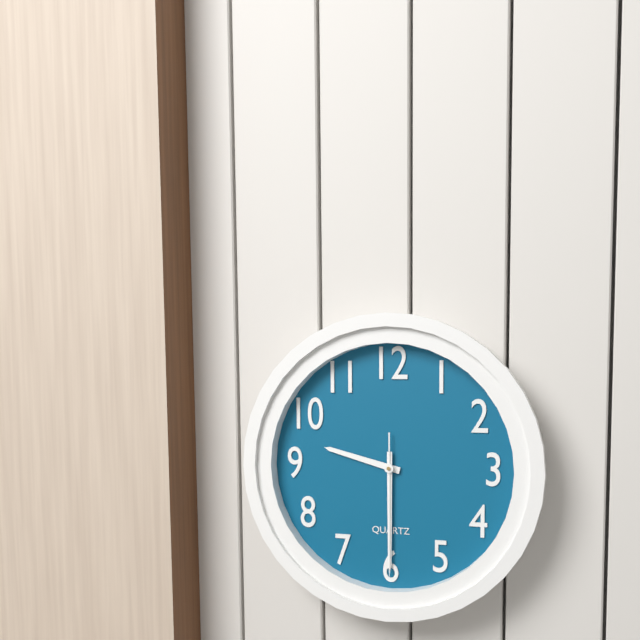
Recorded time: 9h30m30s
